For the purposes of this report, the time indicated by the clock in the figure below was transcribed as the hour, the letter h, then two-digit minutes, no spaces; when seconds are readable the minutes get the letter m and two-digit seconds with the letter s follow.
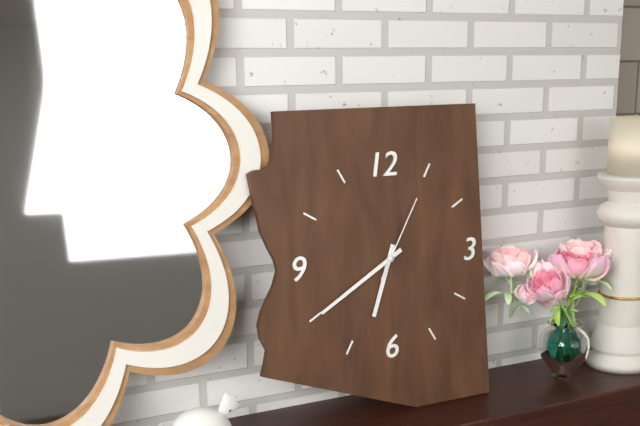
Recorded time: 6h40m05s
